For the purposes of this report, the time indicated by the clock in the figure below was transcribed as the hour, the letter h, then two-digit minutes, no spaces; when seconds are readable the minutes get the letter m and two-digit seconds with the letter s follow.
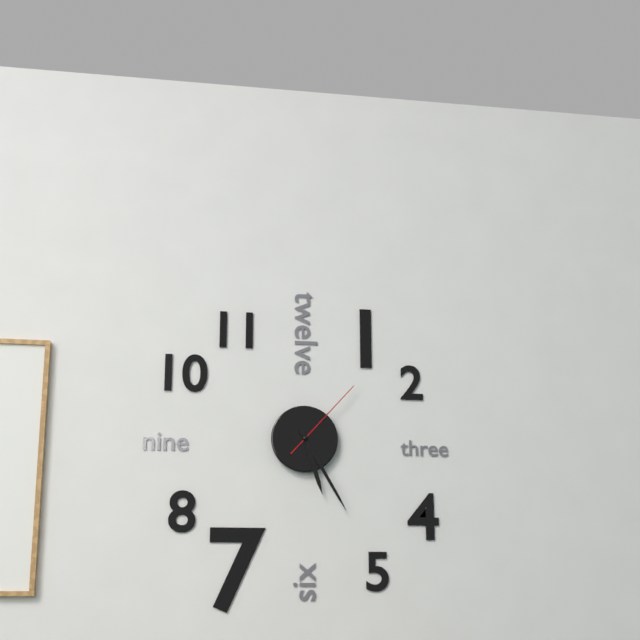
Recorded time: 5h25m07s
